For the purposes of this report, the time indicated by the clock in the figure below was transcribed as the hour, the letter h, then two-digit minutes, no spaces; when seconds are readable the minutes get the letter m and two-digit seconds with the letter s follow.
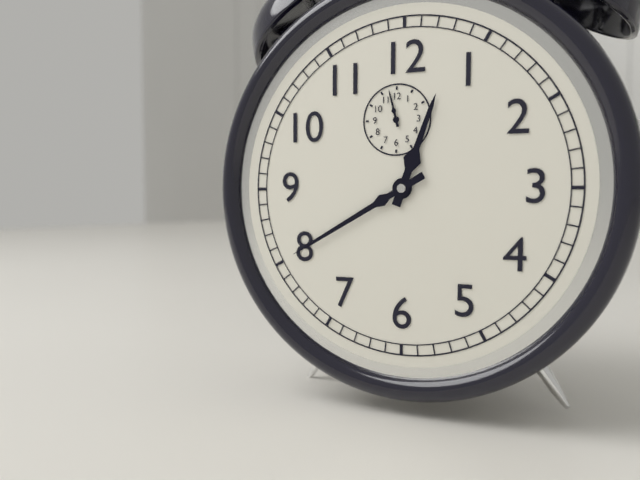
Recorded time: 12h40
